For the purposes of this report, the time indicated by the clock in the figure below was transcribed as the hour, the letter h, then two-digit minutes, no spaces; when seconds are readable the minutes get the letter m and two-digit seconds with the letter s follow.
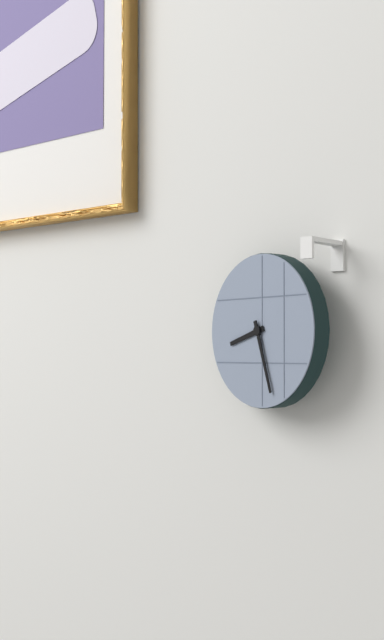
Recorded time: 8h27
